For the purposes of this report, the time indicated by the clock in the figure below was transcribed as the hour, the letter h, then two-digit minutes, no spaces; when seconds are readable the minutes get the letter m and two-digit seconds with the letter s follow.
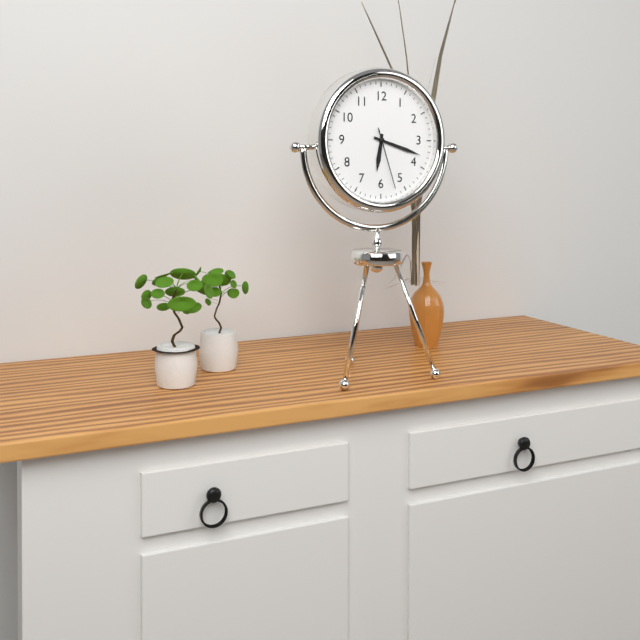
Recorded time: 6h18m27s
